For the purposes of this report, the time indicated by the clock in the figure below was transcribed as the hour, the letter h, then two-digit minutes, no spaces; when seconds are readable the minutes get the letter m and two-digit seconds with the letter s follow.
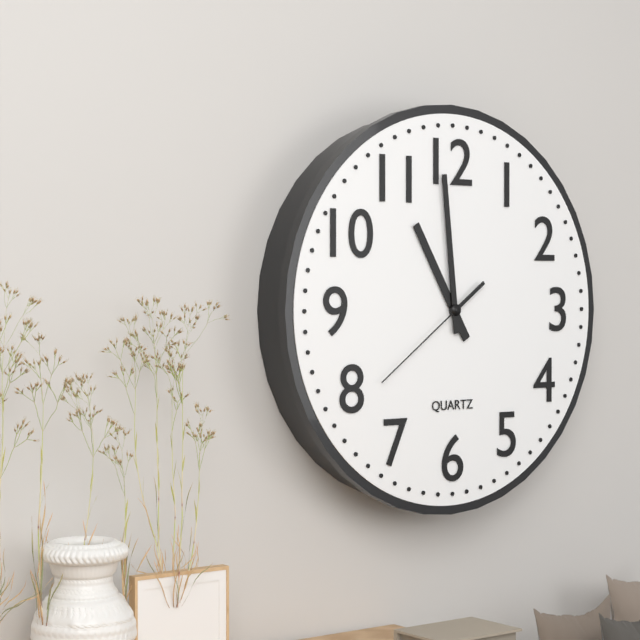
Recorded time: 10h59m39s
